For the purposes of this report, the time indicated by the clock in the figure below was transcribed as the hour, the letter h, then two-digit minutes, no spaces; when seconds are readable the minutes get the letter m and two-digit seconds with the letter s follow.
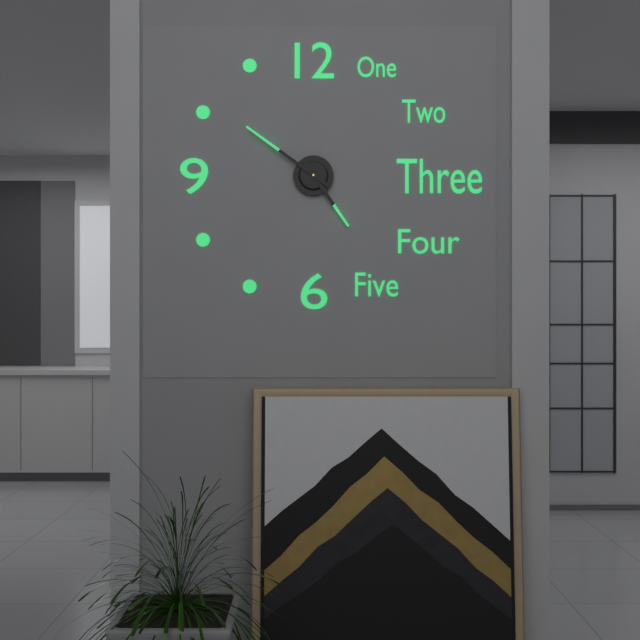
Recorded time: 4h51
